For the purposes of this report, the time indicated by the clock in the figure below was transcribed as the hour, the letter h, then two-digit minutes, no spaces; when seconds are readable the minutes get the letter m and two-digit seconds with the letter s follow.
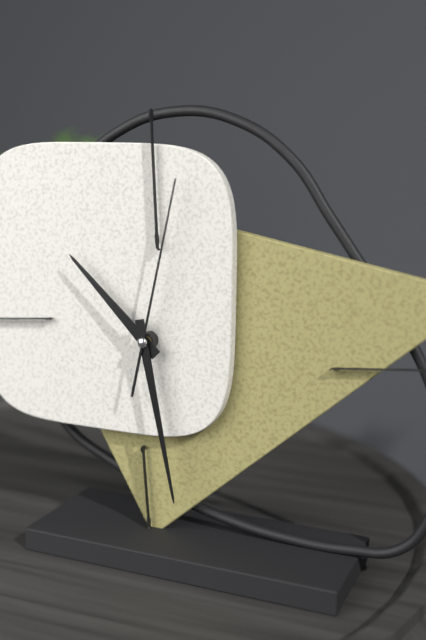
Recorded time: 10h28m02s
